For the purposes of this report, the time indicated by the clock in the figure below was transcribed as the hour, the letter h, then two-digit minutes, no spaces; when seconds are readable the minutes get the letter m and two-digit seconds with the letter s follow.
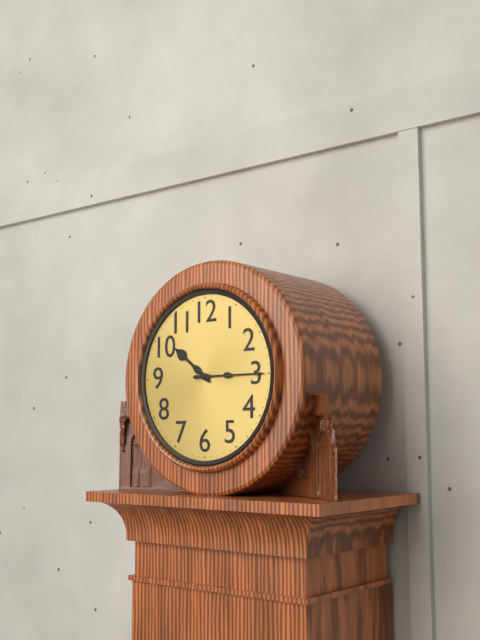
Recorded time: 10h15
